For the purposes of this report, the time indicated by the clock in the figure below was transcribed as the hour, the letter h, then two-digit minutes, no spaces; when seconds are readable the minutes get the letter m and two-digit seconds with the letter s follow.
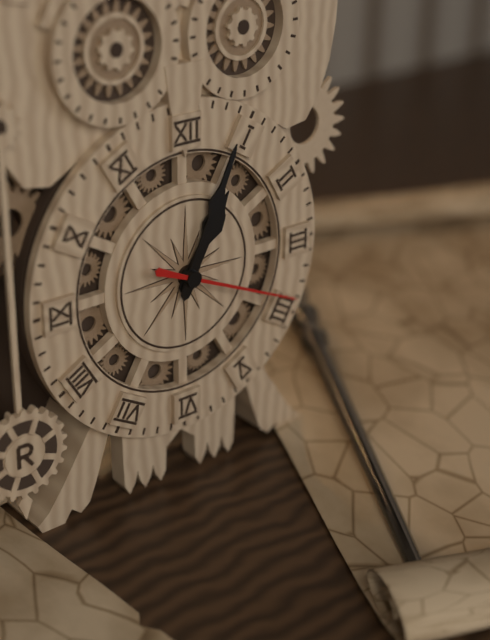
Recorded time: 1h04m19s
